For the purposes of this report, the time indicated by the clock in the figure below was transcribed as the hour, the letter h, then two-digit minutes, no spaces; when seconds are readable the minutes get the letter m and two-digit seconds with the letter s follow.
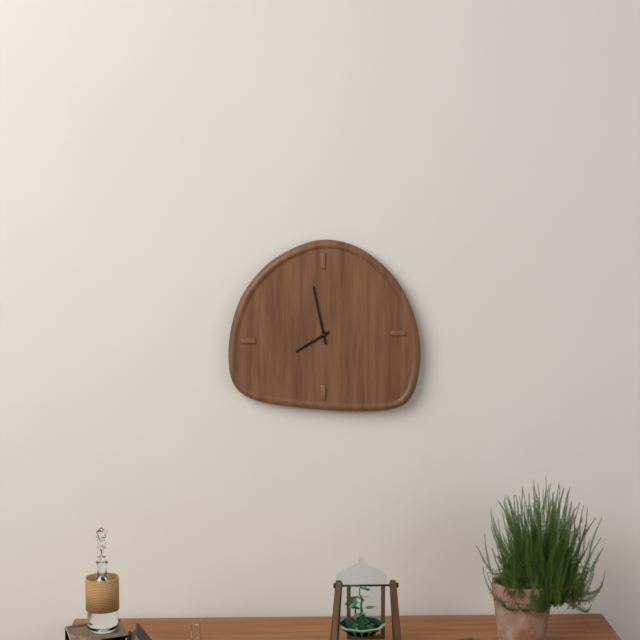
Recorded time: 7h58
